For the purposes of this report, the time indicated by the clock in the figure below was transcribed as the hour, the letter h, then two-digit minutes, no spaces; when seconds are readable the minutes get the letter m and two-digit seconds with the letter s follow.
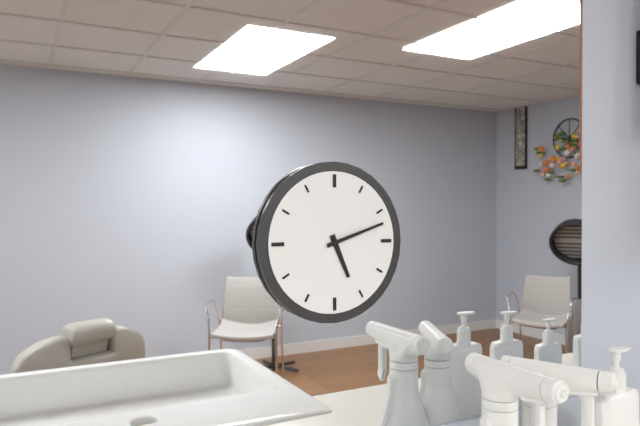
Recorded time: 5h12
